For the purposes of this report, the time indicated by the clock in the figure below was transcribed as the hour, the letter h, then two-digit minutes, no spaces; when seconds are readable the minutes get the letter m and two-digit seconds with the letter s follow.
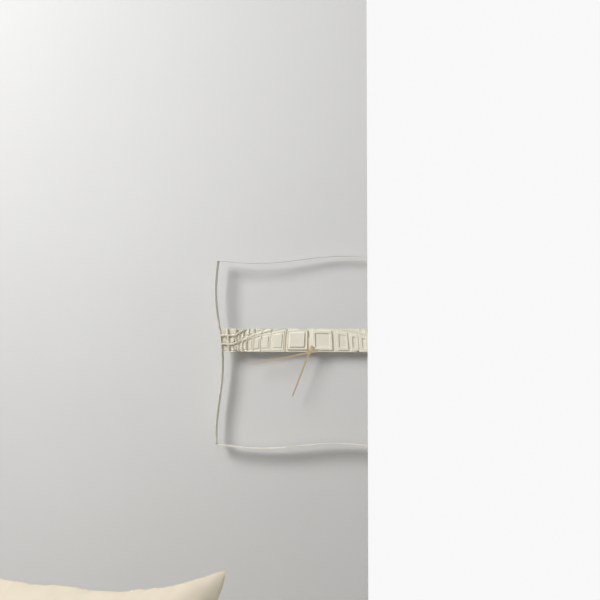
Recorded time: 6h43
